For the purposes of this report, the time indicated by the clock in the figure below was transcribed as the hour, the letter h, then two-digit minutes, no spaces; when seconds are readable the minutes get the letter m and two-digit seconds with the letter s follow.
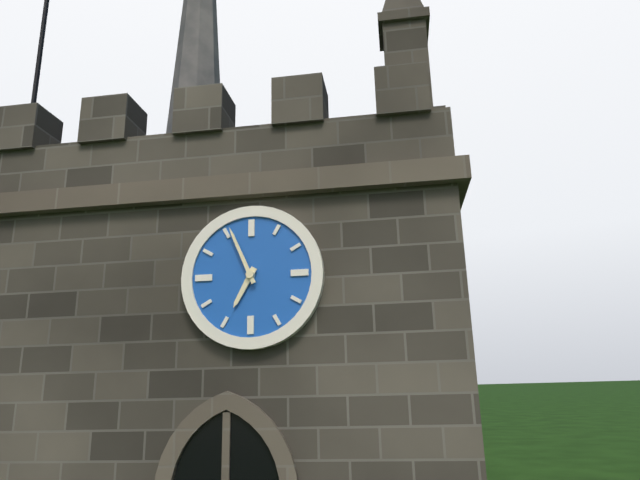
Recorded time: 6h56
